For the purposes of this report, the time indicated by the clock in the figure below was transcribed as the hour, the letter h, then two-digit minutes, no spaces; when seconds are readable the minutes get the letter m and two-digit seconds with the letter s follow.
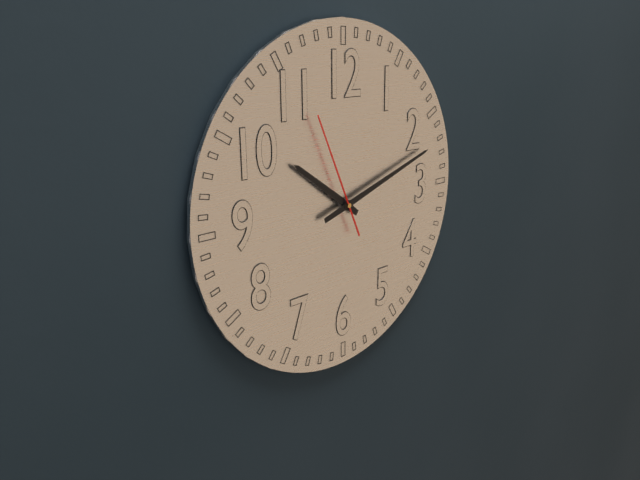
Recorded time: 10h12m56s
